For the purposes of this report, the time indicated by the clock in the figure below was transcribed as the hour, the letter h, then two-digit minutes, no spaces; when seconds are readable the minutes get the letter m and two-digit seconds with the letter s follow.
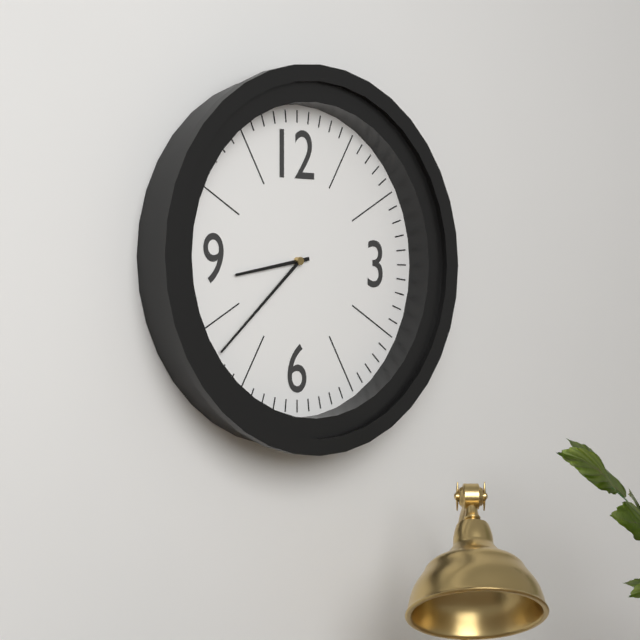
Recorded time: 8h38
